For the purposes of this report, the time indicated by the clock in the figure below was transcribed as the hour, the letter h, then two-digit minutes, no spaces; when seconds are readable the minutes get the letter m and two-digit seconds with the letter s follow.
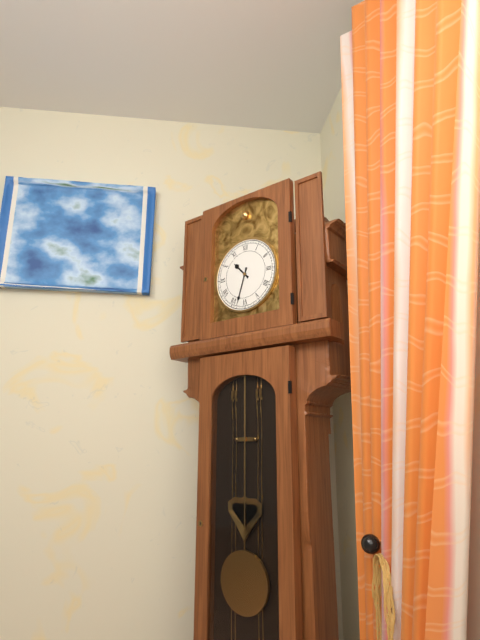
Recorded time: 10h33
